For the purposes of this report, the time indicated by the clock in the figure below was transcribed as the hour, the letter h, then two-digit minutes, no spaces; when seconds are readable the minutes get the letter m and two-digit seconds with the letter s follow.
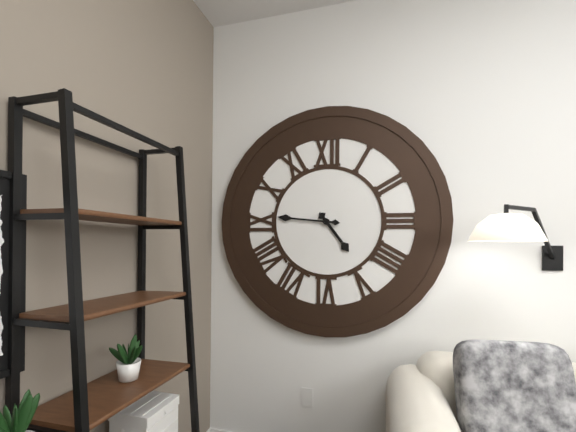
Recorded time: 4h46
